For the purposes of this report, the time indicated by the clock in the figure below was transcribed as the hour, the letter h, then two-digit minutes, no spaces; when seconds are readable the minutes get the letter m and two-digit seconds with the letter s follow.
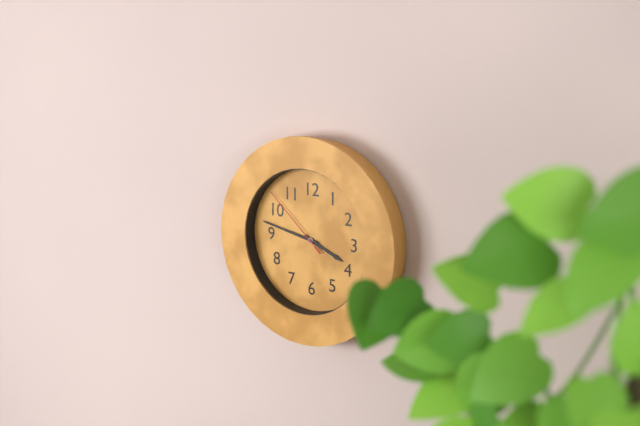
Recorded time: 3h47m52s
